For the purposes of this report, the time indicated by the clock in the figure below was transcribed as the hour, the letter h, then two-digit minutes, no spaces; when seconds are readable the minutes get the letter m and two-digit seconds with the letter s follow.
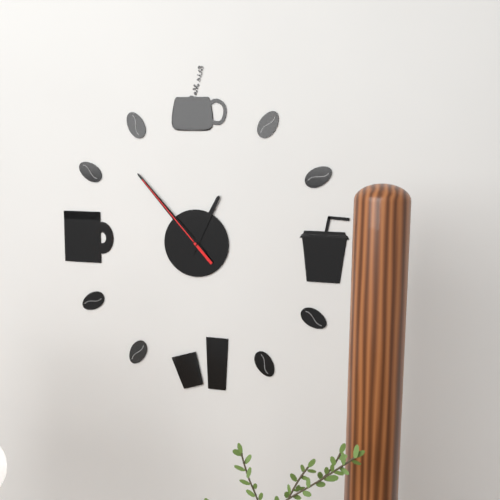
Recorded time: 12h53m53s
